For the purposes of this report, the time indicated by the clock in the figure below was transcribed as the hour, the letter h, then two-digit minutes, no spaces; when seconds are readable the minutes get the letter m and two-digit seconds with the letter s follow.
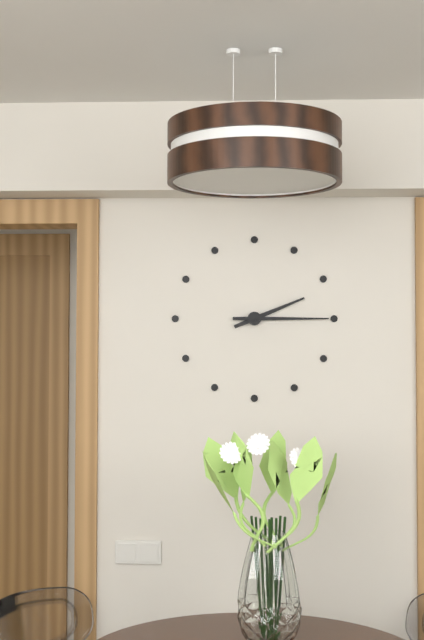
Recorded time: 2h15
